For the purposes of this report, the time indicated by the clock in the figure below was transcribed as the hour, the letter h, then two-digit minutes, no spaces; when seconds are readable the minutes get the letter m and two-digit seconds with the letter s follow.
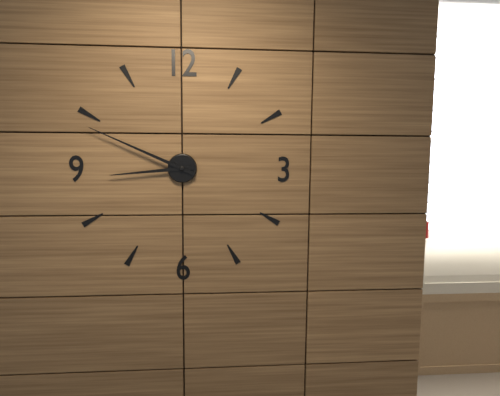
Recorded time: 8h49
